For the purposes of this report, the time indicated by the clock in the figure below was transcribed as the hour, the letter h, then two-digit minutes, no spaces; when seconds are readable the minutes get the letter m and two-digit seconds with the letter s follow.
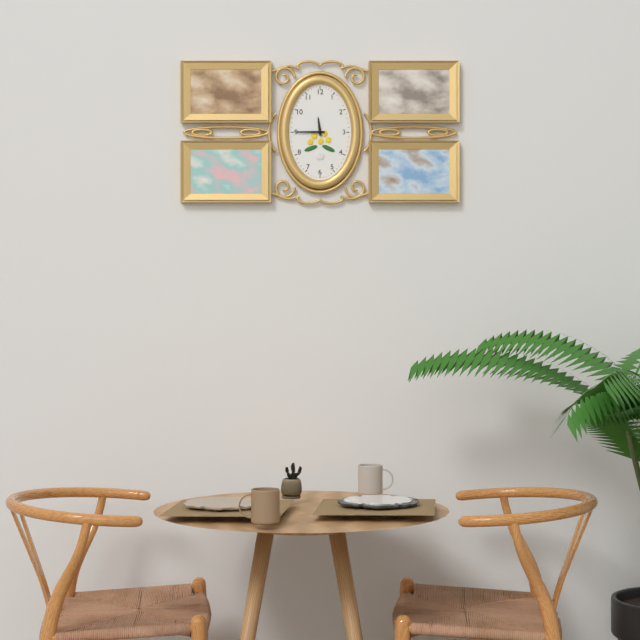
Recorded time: 11h45
